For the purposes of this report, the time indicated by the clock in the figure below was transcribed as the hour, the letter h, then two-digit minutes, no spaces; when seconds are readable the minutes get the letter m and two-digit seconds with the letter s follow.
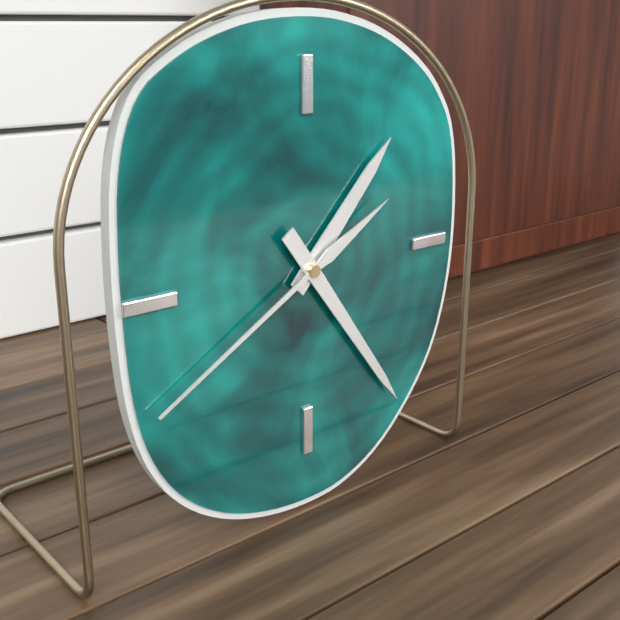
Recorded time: 1h24m40s
